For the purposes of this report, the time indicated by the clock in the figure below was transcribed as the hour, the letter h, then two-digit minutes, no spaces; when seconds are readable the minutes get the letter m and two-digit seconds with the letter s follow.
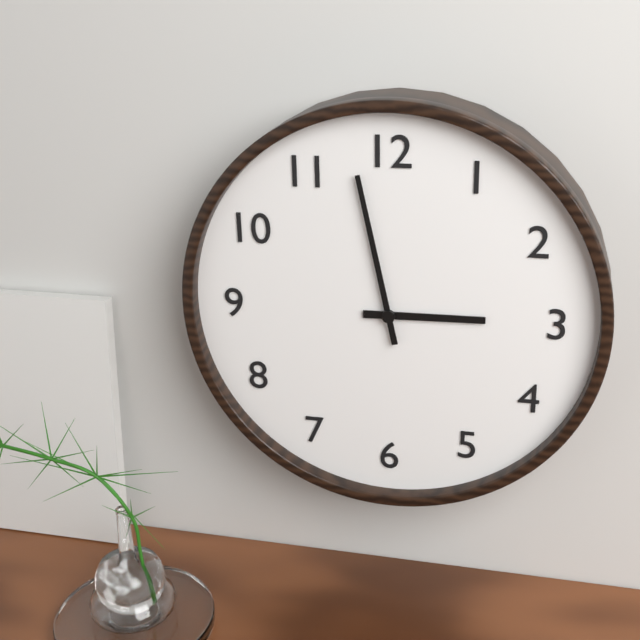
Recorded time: 2h58
